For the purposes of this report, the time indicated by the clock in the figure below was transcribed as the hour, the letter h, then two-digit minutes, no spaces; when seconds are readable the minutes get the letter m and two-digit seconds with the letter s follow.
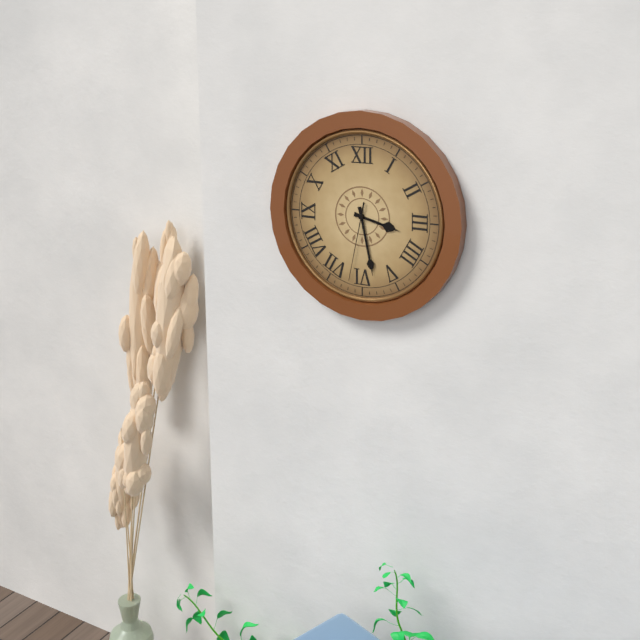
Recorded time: 3h28m32s
